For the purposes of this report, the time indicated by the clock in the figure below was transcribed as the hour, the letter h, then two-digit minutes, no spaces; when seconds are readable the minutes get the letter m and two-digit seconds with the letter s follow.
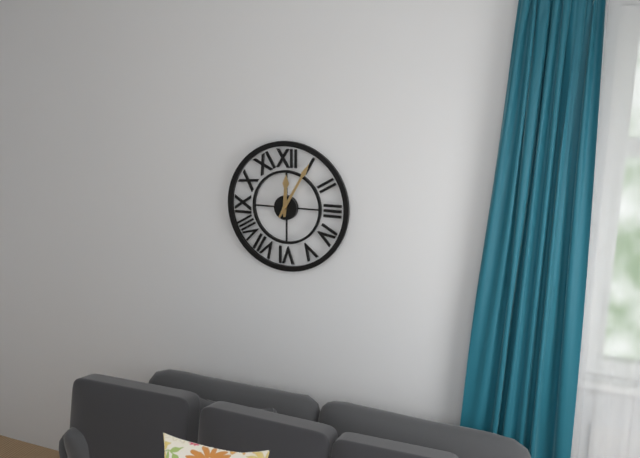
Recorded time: 12h05
